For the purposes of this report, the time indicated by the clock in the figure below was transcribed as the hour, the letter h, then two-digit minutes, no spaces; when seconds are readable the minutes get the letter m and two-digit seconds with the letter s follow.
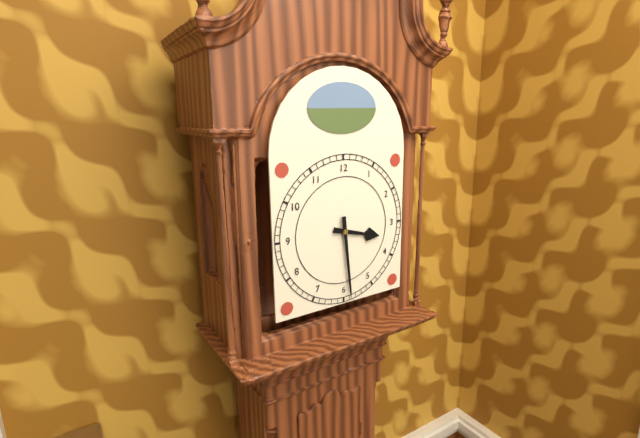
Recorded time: 3h29
